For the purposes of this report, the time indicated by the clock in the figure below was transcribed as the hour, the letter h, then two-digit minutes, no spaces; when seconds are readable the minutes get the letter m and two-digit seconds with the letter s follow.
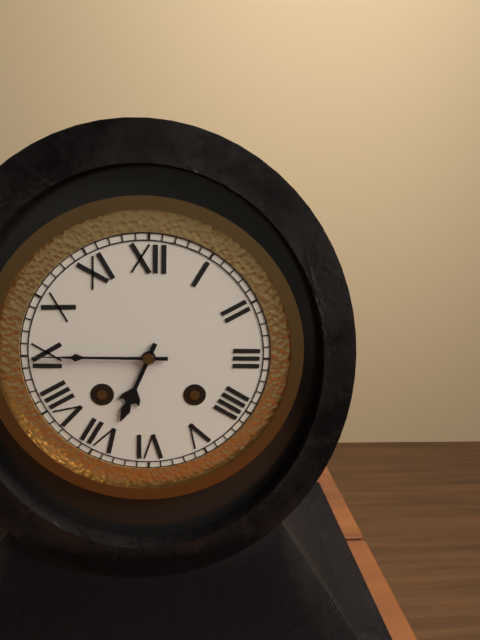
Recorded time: 6h45
